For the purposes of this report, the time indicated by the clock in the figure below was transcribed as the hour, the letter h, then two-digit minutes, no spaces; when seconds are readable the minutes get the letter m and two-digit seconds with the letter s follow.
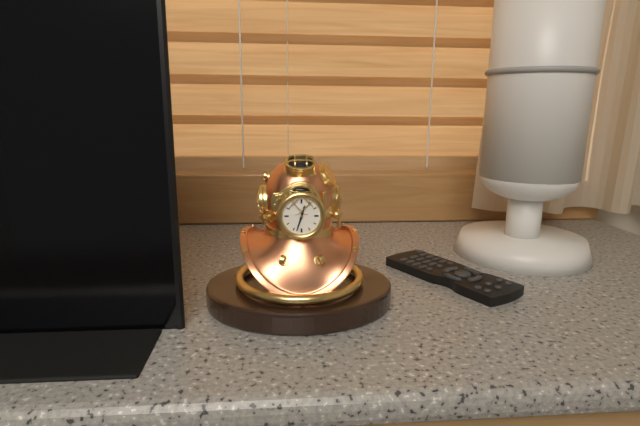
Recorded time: 12h33
